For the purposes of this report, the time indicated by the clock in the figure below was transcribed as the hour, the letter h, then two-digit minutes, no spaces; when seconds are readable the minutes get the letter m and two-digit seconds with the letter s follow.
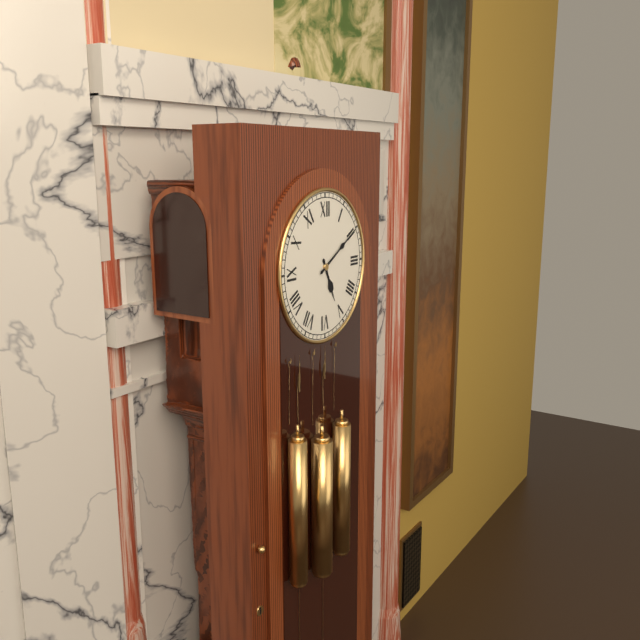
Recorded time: 5h10
